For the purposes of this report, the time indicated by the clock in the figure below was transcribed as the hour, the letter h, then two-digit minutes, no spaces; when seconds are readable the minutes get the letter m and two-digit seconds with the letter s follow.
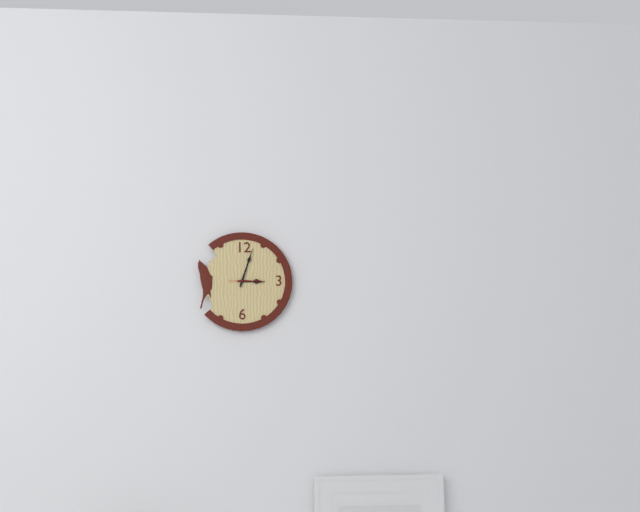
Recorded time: 3h03
